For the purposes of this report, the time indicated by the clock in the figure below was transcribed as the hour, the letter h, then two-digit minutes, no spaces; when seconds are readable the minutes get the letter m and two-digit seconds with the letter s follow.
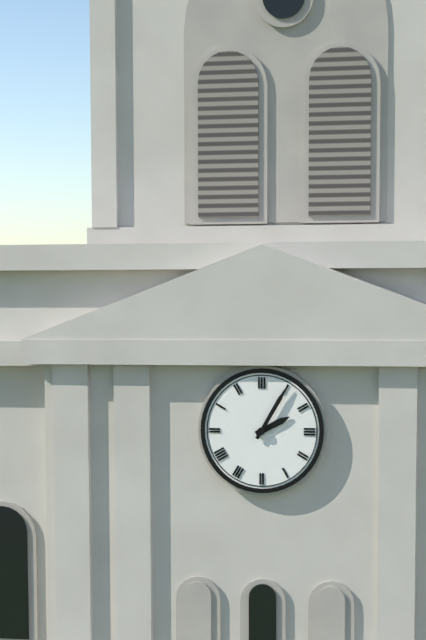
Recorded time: 2h05
